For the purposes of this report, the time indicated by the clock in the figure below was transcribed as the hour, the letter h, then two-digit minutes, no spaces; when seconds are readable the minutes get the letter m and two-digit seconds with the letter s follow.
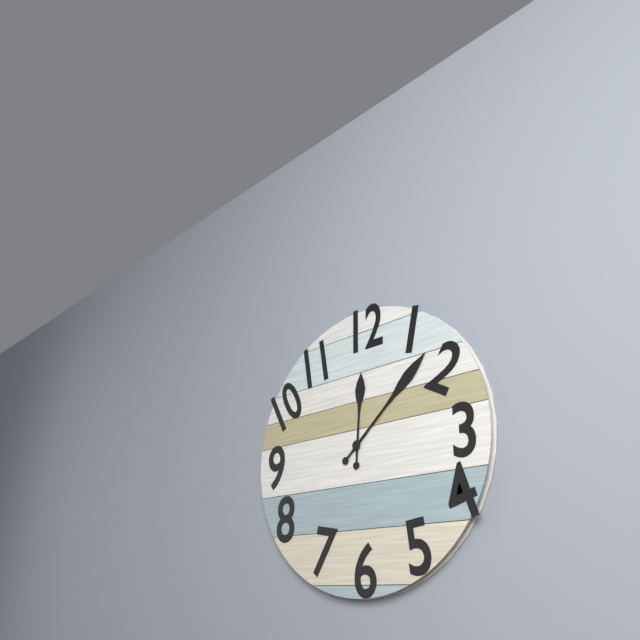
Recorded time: 12h08
